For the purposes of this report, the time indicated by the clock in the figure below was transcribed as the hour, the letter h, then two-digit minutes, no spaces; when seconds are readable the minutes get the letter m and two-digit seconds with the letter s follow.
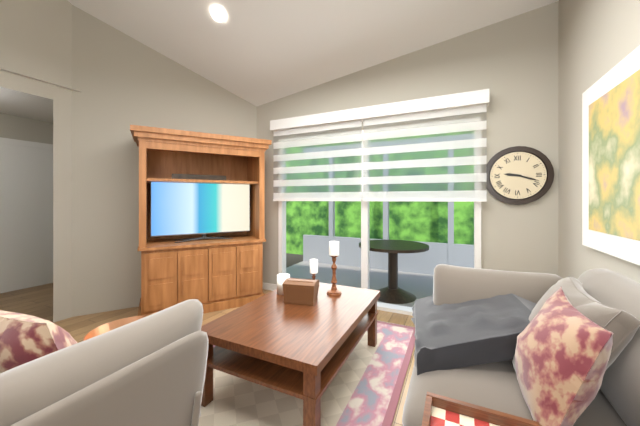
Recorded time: 9h18
